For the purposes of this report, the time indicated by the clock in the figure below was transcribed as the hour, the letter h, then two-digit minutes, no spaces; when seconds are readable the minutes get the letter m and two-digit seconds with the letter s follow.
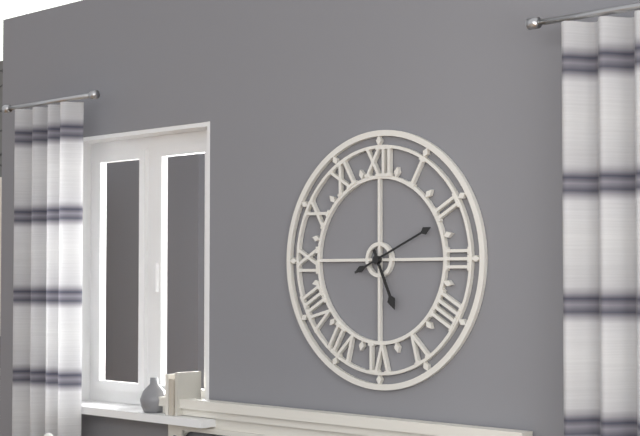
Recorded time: 5h11
